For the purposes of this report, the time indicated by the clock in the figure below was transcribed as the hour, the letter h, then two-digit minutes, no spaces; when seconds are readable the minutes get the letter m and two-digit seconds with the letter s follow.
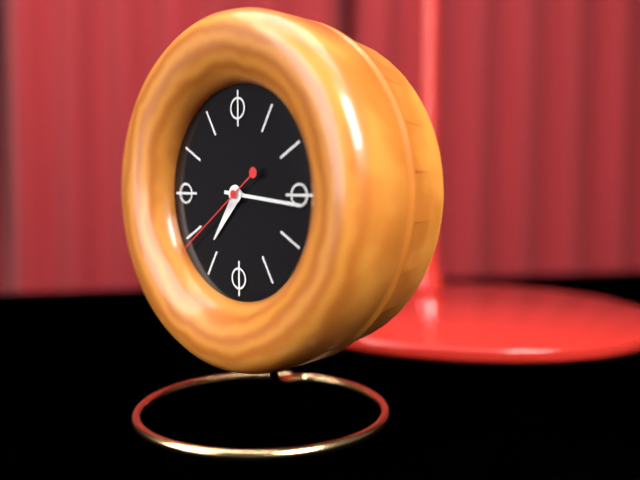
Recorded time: 7h16m39s
